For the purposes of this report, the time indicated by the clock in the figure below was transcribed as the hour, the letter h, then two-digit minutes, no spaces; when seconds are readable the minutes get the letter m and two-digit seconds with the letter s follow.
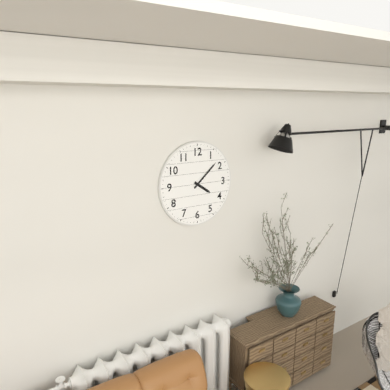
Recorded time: 4h08
